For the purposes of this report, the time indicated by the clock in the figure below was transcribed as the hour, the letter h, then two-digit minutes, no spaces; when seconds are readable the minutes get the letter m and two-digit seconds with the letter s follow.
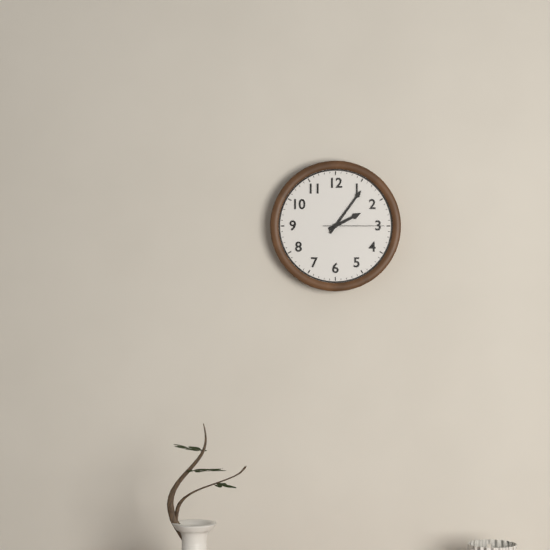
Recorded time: 2h06m15s
